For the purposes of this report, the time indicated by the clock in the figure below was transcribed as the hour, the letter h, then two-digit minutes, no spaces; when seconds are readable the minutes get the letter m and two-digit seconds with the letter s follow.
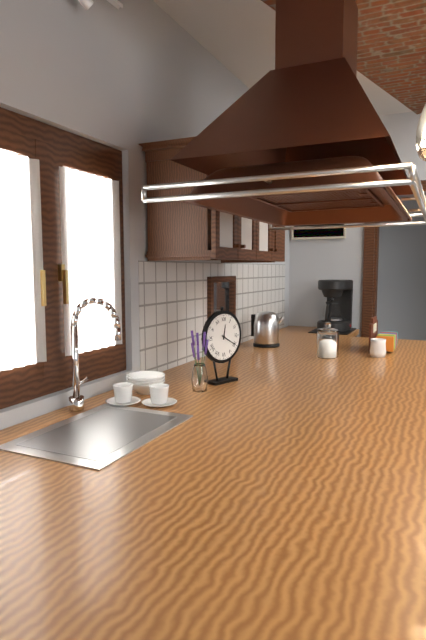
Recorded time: 12h20
